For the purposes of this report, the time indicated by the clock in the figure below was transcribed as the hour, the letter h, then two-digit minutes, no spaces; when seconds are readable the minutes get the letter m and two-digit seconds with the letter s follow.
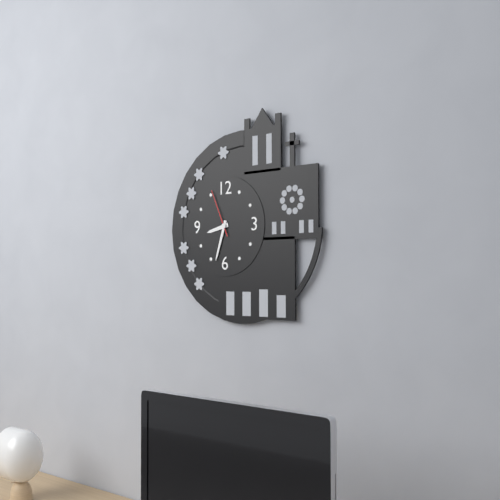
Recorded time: 8h33
